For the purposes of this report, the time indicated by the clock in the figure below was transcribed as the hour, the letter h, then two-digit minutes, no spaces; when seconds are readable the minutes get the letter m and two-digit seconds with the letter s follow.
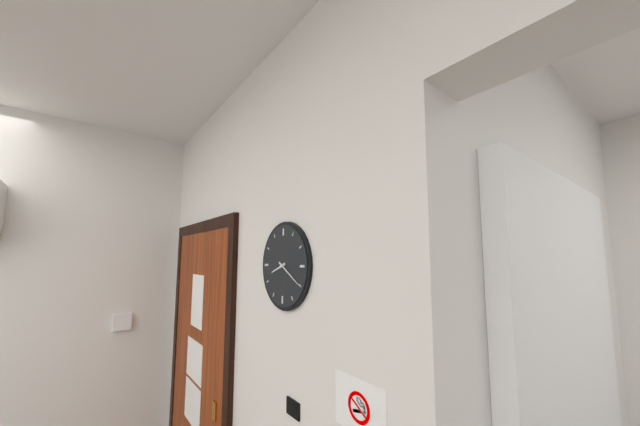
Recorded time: 8h20
